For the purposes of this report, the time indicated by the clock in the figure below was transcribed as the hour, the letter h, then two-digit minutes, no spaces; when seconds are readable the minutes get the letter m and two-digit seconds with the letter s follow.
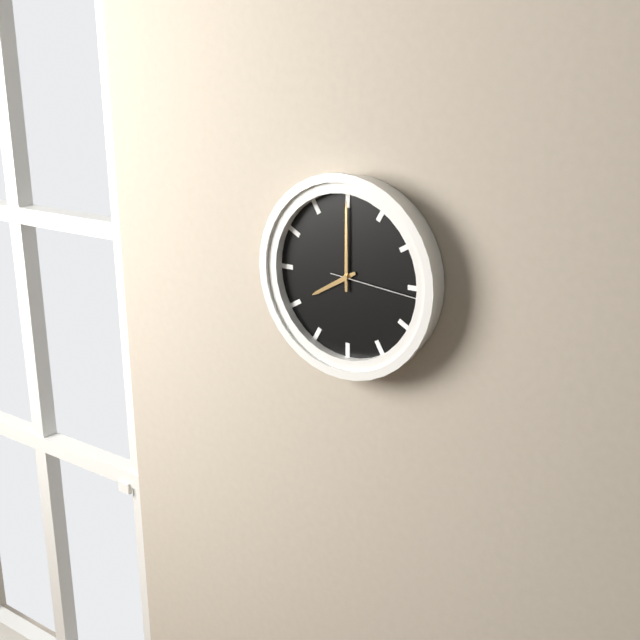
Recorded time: 8h00m16s
